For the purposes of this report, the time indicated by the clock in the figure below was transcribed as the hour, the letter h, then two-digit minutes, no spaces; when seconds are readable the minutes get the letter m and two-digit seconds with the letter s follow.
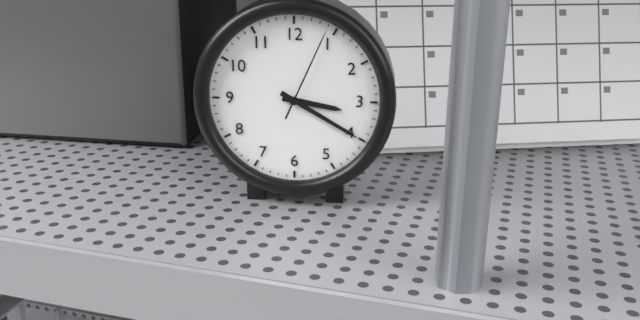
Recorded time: 3h20m04s
